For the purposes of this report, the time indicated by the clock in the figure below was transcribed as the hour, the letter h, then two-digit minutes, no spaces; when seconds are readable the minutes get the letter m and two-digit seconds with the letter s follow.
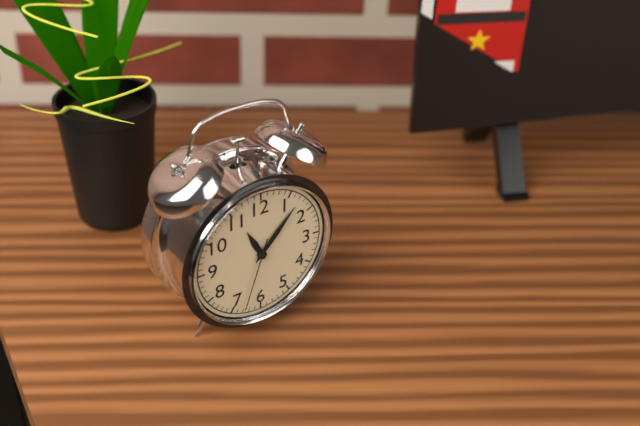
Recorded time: 11h07m33s
